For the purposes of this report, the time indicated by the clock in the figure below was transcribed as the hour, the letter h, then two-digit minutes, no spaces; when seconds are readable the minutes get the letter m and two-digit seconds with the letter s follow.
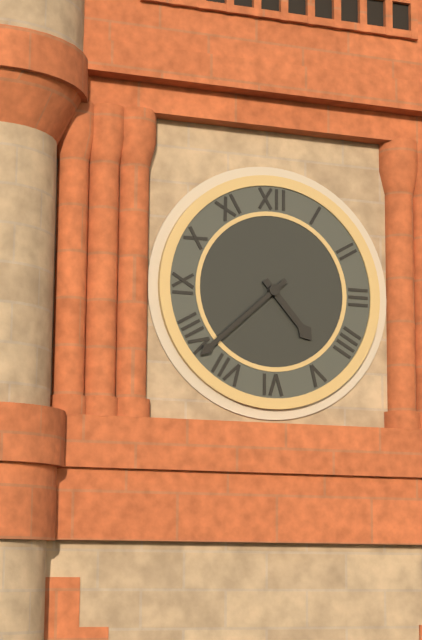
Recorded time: 4h38
